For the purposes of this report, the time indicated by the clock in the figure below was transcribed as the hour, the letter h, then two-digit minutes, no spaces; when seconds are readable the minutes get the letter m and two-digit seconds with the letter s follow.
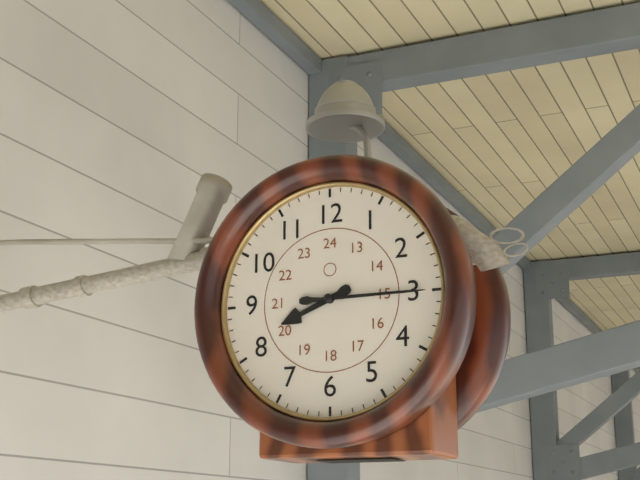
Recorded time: 8h15
